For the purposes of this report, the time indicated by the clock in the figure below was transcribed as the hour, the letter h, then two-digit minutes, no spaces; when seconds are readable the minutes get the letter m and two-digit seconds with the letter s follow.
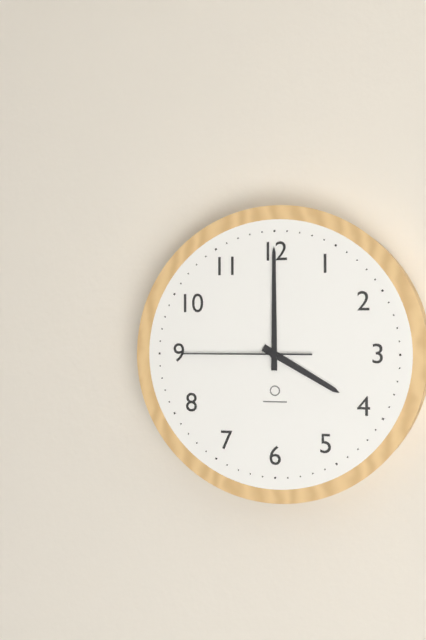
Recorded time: 4h00m45s
